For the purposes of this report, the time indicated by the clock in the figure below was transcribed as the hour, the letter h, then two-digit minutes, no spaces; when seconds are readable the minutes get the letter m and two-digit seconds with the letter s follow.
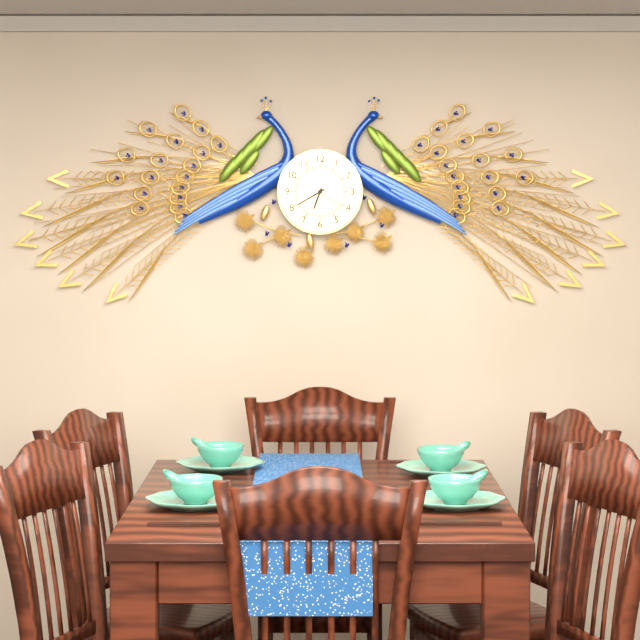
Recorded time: 6h40
